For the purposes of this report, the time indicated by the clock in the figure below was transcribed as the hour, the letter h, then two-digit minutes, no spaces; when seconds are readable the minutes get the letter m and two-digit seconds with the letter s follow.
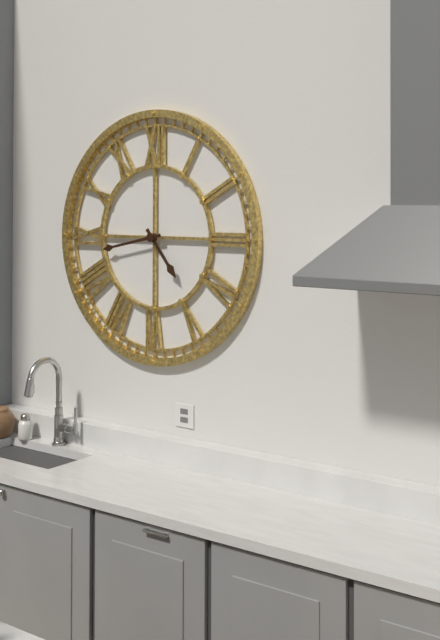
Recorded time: 4h43
